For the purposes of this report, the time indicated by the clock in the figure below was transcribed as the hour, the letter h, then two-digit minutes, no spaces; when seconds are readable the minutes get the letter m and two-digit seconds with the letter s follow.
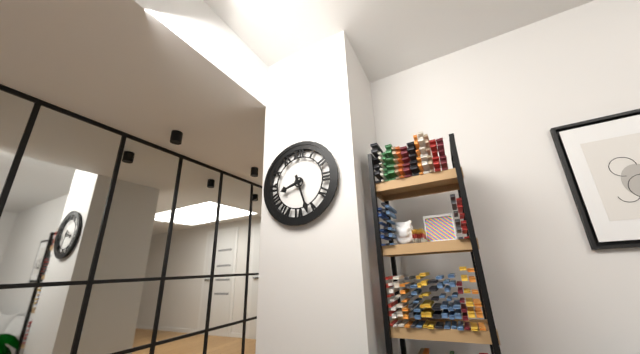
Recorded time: 8h27
